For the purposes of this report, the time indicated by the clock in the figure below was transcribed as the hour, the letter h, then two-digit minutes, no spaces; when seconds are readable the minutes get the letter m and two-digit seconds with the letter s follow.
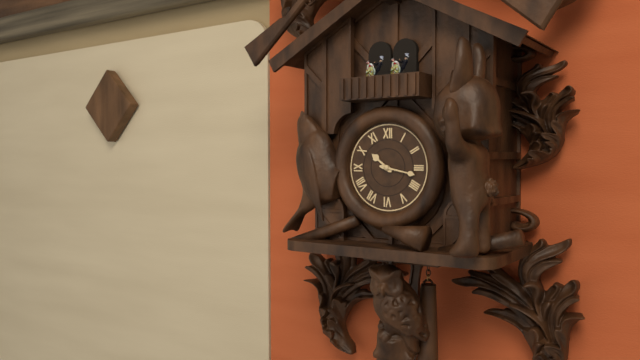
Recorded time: 10h17
